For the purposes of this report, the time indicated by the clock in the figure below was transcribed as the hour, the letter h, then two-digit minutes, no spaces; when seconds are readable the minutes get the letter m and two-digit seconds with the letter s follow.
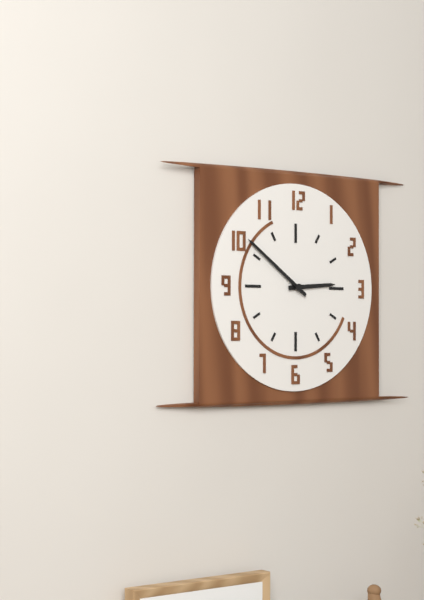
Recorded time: 2h51
